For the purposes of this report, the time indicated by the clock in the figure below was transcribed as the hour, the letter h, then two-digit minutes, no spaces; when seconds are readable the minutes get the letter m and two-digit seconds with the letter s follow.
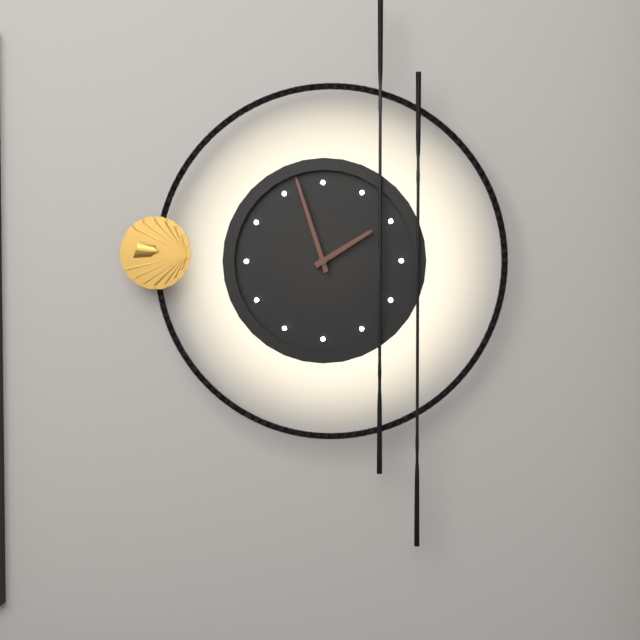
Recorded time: 1h57
